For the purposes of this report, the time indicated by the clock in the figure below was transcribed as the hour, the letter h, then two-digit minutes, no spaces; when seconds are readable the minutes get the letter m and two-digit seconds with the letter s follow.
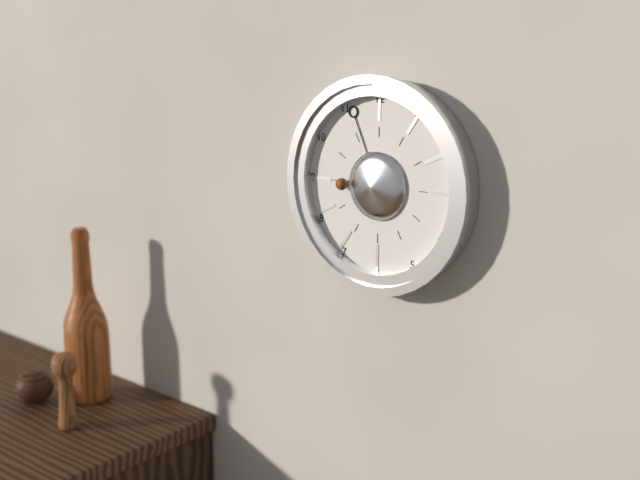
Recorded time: 8h56
